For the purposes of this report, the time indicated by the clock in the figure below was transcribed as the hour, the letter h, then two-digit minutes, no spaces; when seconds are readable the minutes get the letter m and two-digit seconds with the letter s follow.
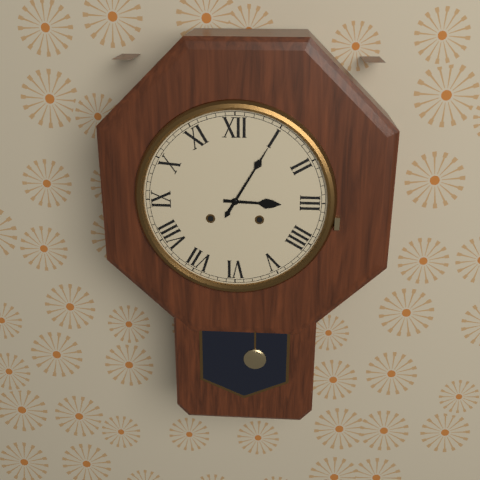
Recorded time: 3h05
